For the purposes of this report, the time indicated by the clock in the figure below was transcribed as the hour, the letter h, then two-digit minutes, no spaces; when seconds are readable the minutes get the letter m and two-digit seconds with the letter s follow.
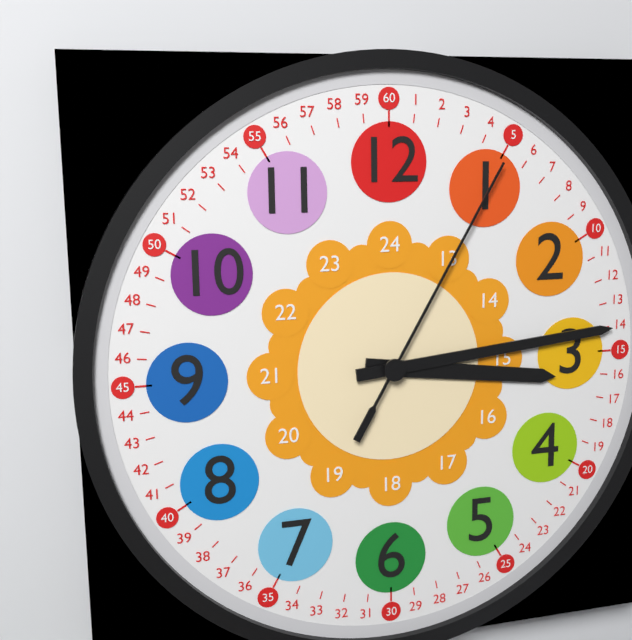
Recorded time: 3h14m05s
